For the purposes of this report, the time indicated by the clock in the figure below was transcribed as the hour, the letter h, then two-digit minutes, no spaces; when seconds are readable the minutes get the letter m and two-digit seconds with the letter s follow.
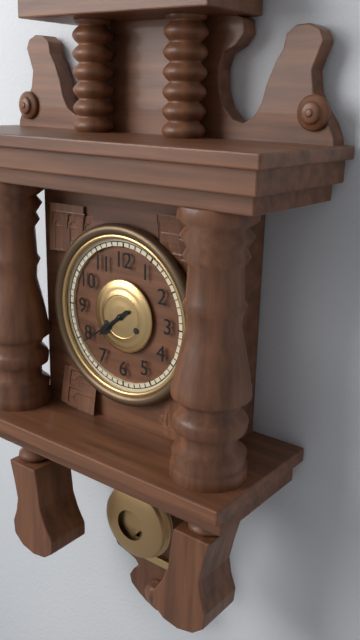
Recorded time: 7h39
